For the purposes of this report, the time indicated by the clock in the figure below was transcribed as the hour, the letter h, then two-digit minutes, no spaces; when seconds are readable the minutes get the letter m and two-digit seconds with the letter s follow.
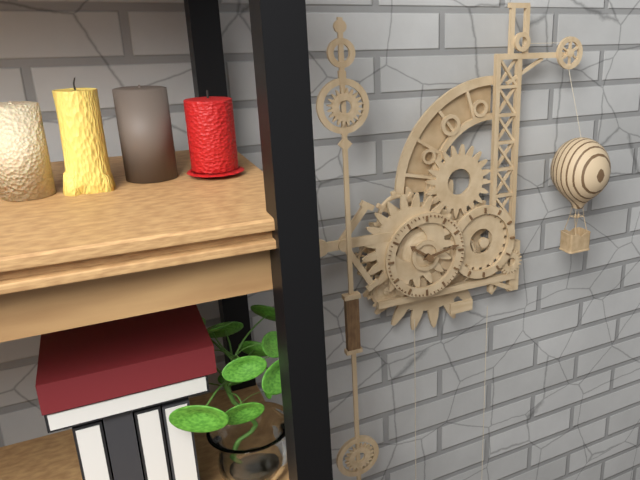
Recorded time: 10h13
